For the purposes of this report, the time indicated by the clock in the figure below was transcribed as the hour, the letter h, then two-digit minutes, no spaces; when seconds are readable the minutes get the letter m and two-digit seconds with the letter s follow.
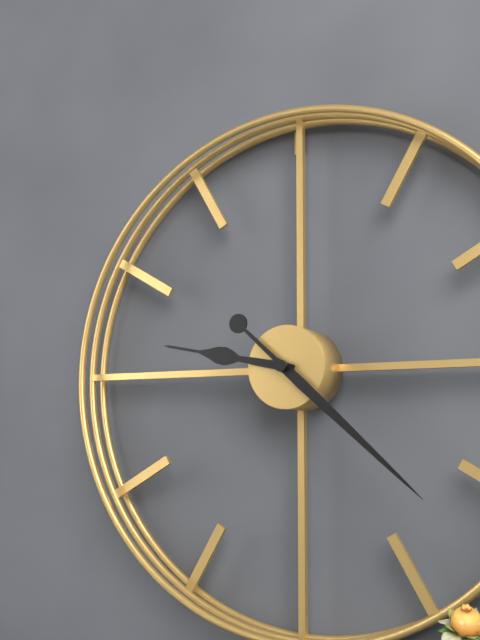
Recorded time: 9h22
